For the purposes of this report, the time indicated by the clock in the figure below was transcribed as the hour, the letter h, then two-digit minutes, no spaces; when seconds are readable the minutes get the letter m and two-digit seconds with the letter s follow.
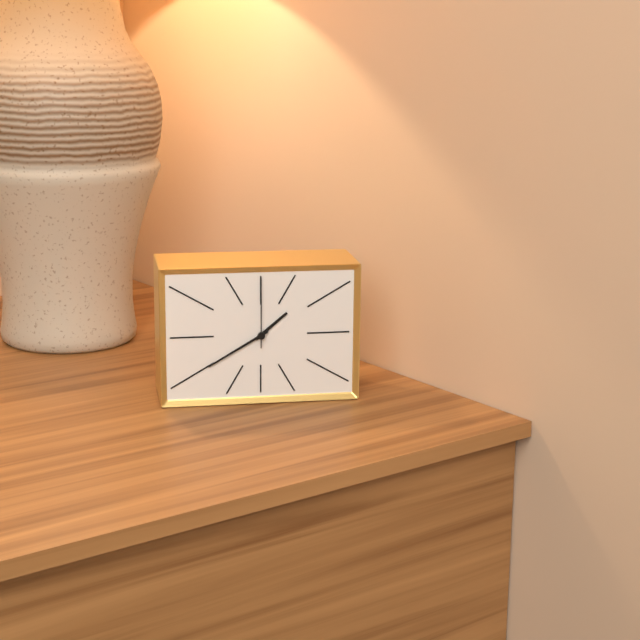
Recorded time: 1h40m00s
